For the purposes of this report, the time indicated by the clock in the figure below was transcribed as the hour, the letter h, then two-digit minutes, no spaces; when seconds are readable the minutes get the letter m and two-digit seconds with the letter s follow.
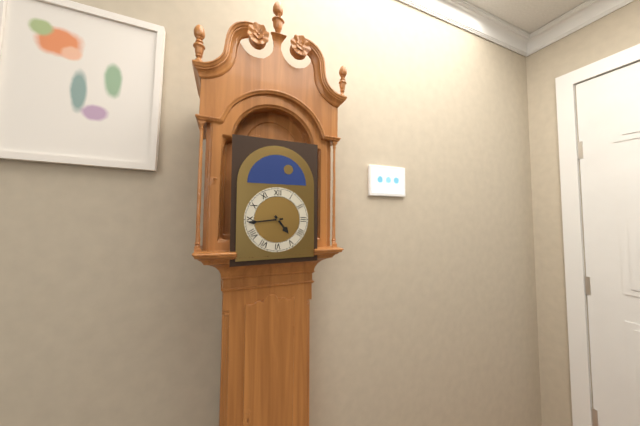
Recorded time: 4h44
